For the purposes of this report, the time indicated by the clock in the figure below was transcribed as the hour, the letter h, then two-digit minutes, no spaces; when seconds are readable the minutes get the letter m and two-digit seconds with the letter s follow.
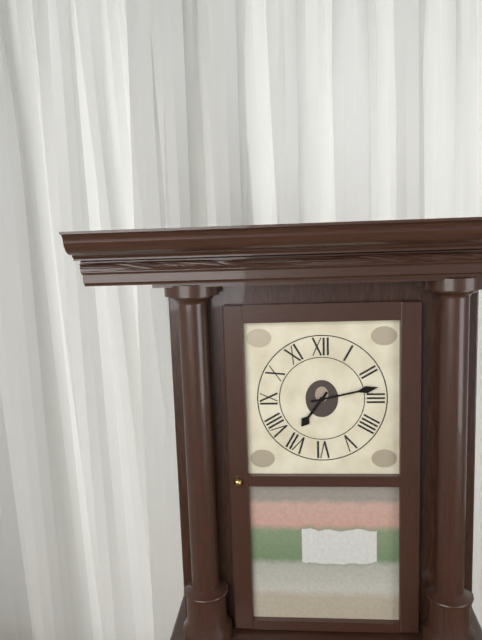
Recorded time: 7h13
